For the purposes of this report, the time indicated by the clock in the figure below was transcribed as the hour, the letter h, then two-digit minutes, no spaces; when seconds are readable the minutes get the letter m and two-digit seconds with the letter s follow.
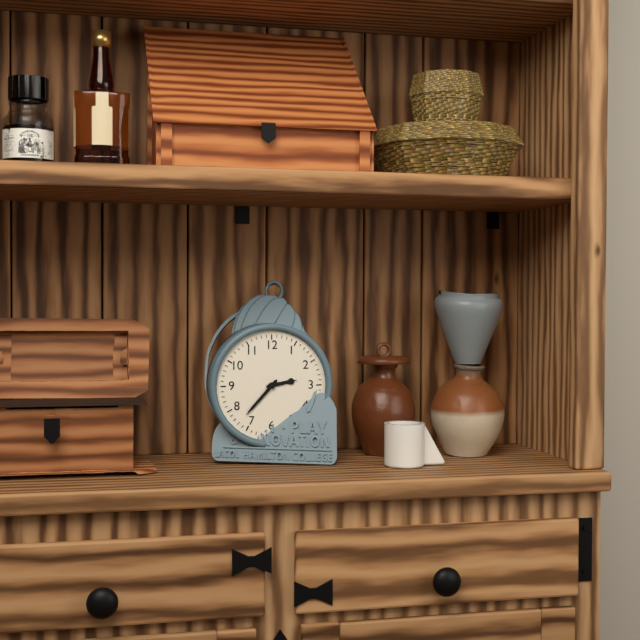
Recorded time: 2h37
